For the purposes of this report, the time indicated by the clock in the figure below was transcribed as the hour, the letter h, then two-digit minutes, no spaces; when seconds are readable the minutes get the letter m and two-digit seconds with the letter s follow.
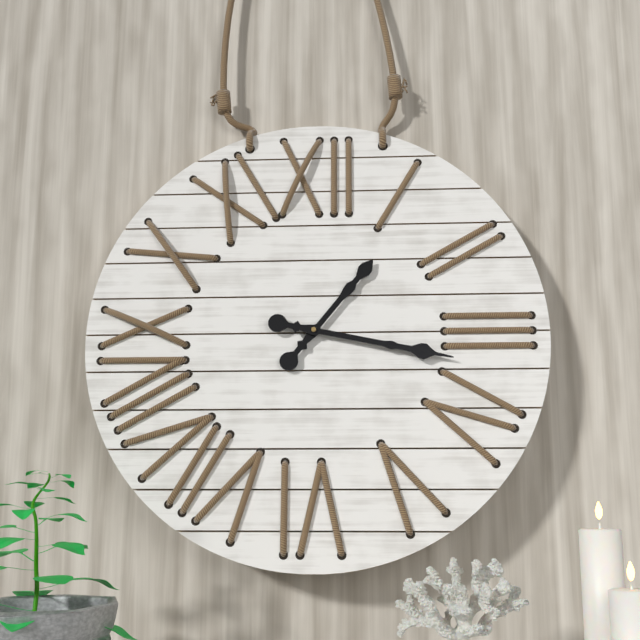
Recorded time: 1h17
